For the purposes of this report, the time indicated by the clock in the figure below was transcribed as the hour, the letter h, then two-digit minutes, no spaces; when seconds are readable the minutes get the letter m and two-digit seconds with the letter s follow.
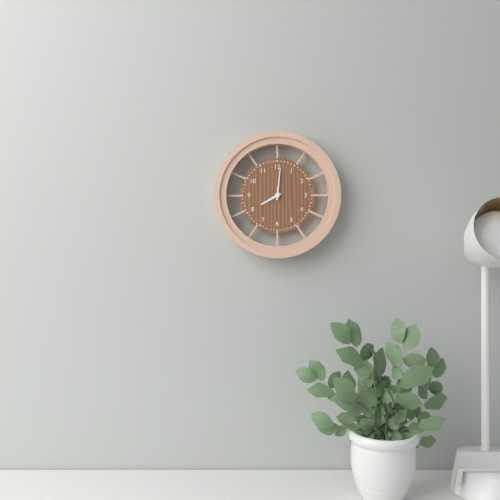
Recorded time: 8h01
